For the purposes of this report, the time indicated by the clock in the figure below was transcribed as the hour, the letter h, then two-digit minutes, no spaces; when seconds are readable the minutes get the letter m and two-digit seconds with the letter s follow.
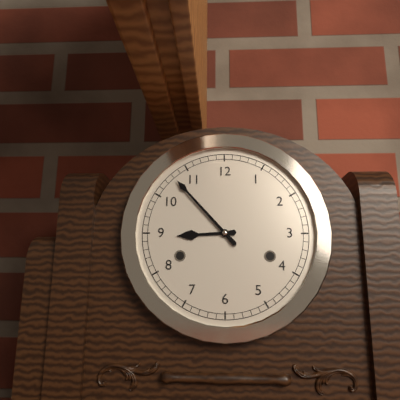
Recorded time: 8h53
